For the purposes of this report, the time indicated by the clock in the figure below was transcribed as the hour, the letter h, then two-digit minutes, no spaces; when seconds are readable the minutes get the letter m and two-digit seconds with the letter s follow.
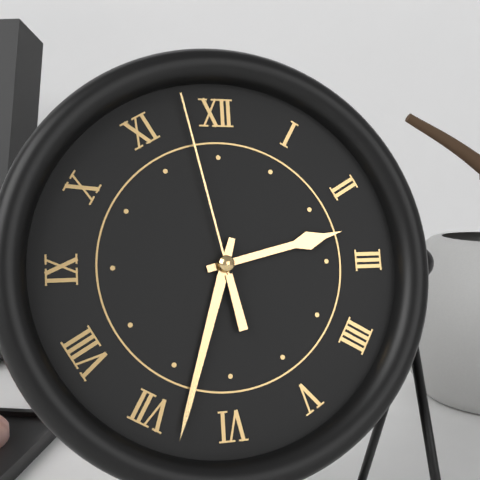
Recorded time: 2h33m58s
